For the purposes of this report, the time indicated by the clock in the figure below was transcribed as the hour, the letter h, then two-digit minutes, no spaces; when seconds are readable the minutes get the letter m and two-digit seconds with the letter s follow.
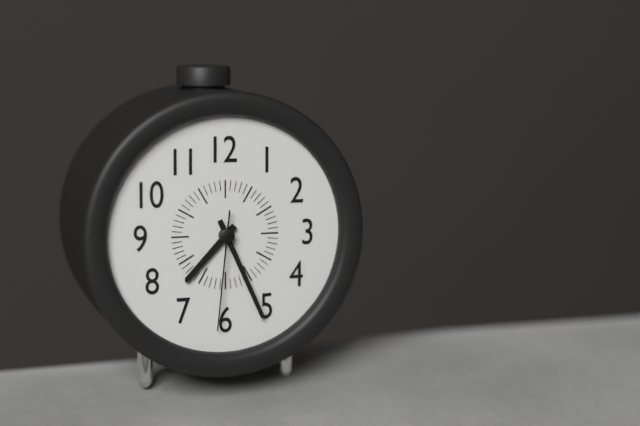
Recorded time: 7h26m31s
